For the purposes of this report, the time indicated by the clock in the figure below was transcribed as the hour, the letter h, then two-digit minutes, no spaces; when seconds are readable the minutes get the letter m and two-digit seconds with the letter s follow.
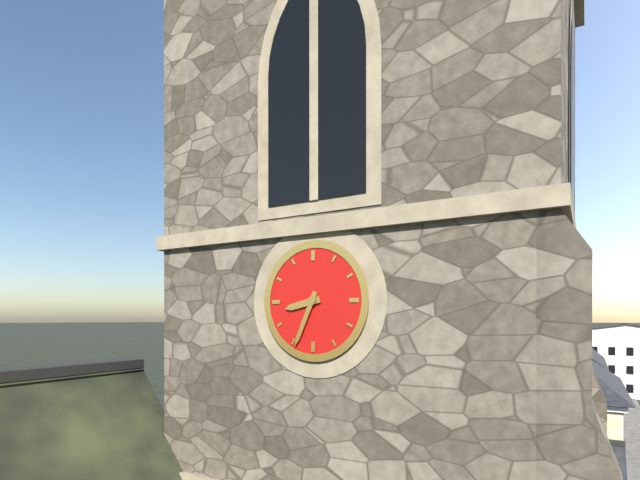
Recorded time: 8h34
